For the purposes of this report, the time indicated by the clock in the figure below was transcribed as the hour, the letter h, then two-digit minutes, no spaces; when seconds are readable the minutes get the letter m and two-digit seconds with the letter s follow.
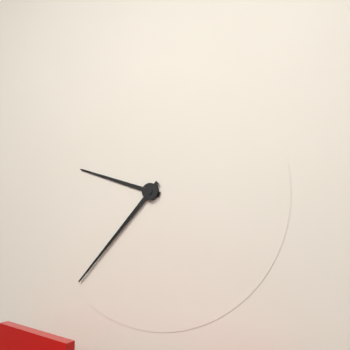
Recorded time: 9h37
